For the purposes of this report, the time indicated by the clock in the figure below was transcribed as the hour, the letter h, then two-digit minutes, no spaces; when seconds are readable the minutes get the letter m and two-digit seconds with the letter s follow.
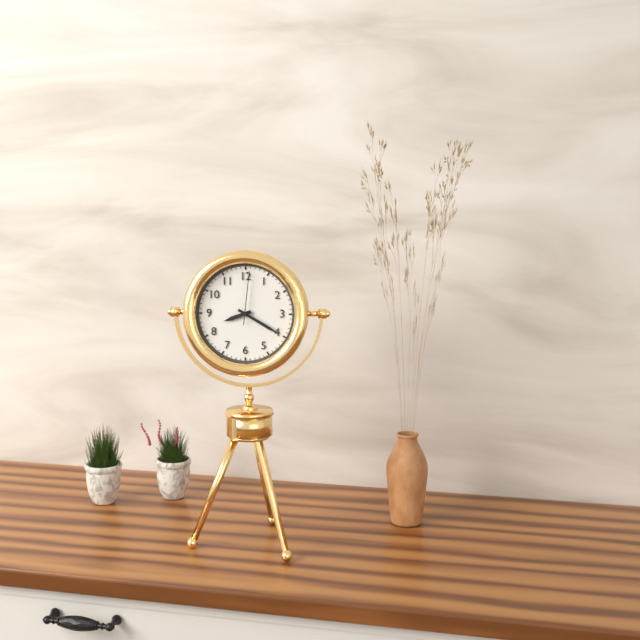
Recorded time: 8h20m01s
